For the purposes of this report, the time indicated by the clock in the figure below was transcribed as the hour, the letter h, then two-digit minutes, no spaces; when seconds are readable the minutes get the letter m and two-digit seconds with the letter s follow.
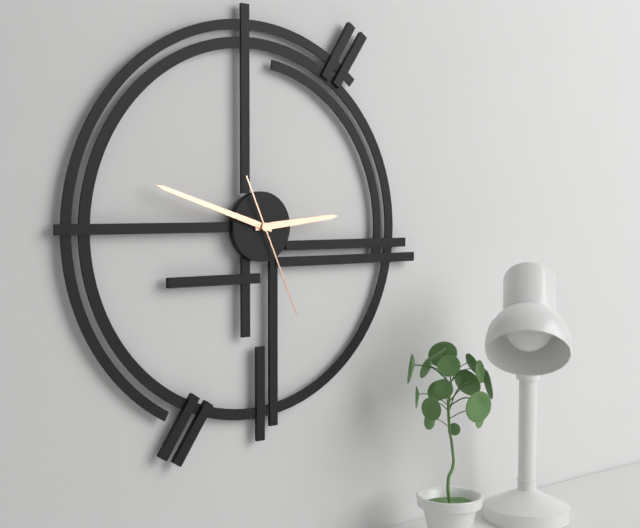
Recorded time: 2h48m26s
